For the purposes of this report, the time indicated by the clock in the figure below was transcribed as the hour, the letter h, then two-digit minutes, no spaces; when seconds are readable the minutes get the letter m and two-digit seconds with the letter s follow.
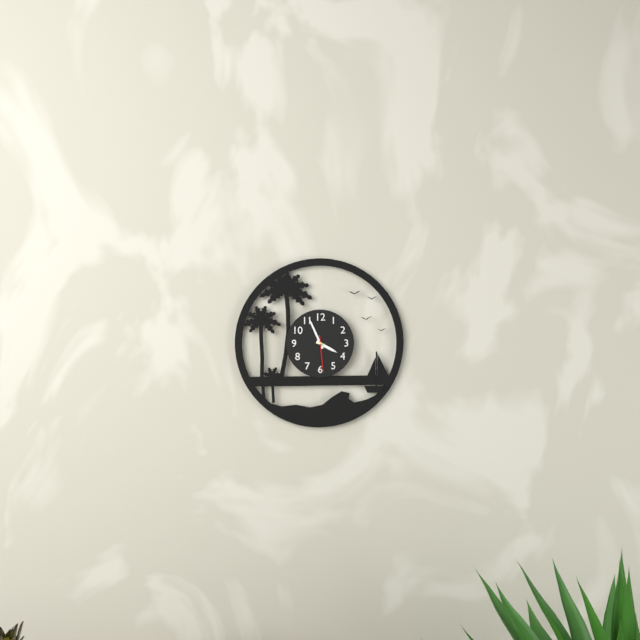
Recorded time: 3h56
